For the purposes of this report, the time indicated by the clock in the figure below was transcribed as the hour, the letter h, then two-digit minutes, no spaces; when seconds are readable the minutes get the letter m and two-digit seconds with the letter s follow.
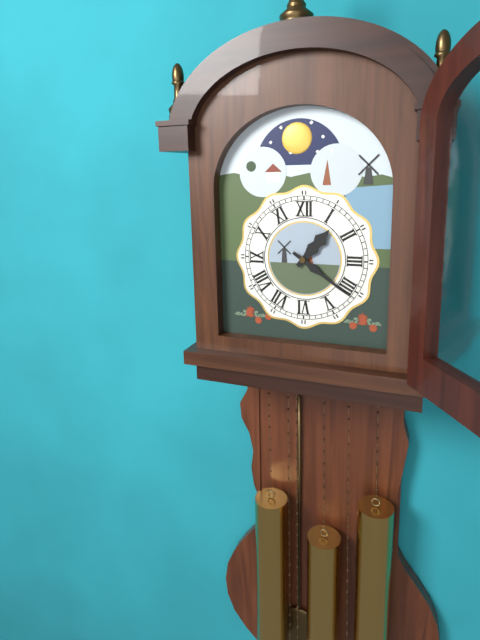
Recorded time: 1h21
